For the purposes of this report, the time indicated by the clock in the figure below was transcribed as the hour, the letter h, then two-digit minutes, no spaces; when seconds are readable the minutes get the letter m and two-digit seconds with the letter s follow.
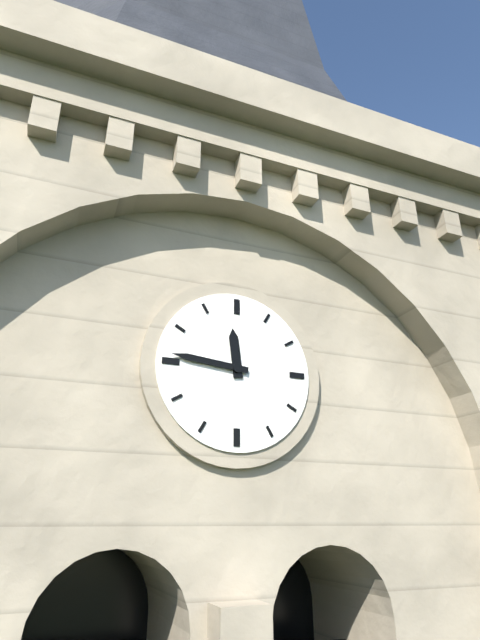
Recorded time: 11h46
